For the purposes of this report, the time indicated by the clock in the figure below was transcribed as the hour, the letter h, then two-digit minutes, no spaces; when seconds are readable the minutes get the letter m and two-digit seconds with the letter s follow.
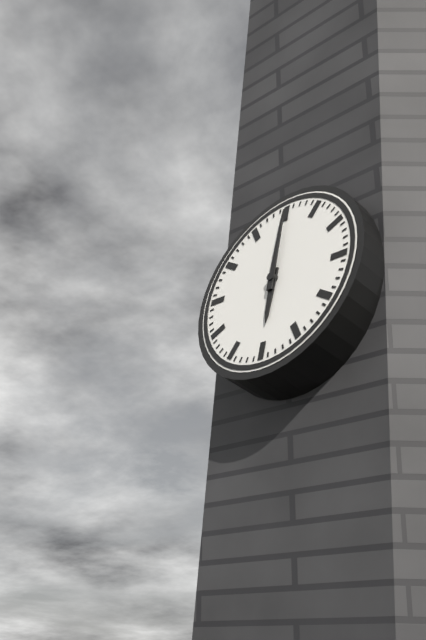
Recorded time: 6h00
